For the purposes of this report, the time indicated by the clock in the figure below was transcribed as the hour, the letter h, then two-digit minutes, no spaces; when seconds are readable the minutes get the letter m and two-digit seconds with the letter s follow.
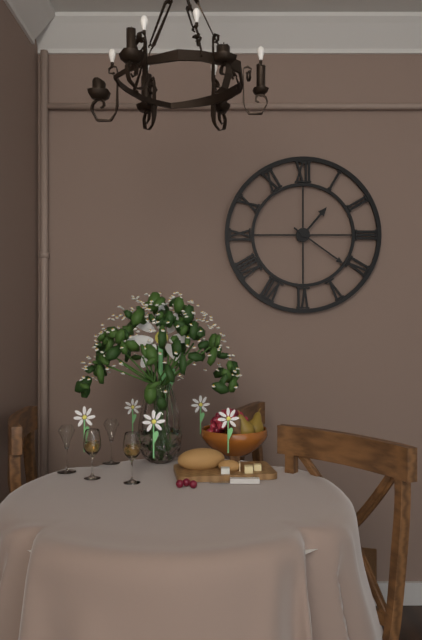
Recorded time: 1h21
